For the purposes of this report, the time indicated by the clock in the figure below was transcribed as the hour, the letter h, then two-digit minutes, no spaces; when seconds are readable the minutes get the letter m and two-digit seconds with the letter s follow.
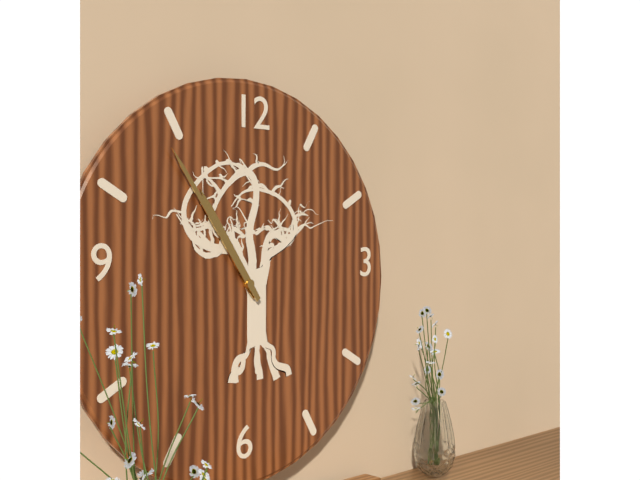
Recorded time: 10h54
